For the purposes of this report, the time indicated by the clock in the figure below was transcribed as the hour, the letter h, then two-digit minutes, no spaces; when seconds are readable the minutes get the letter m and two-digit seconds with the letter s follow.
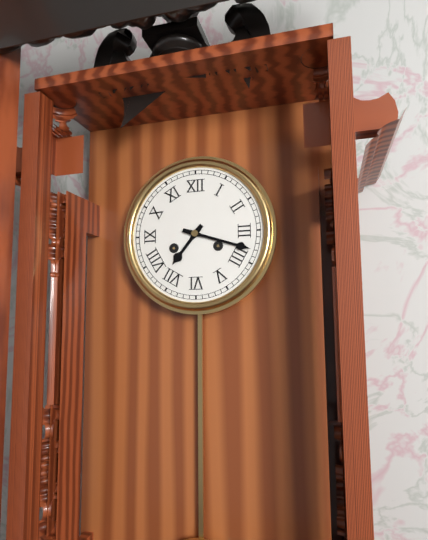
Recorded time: 7h18
